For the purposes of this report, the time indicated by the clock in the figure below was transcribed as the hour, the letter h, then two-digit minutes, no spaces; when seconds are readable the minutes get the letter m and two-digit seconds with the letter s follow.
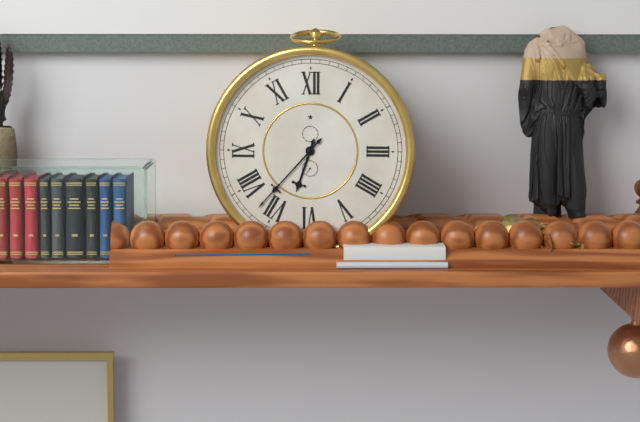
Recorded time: 6h37
